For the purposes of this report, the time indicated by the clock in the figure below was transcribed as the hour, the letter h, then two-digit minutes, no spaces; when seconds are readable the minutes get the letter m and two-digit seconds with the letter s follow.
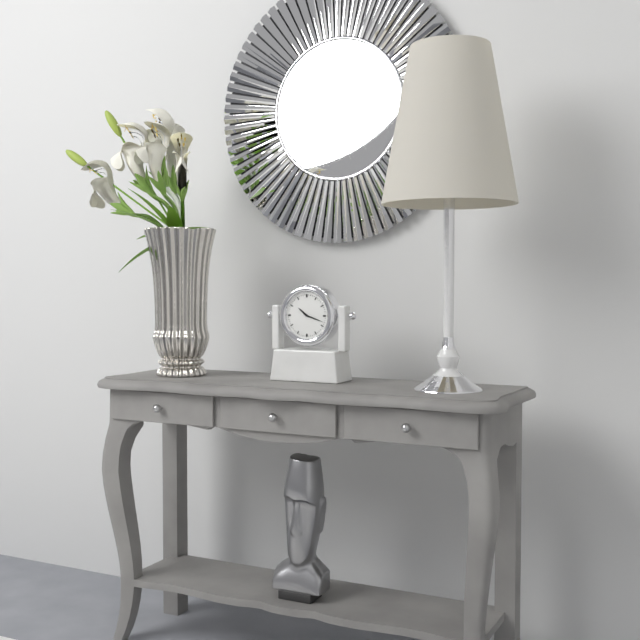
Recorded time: 10h18
